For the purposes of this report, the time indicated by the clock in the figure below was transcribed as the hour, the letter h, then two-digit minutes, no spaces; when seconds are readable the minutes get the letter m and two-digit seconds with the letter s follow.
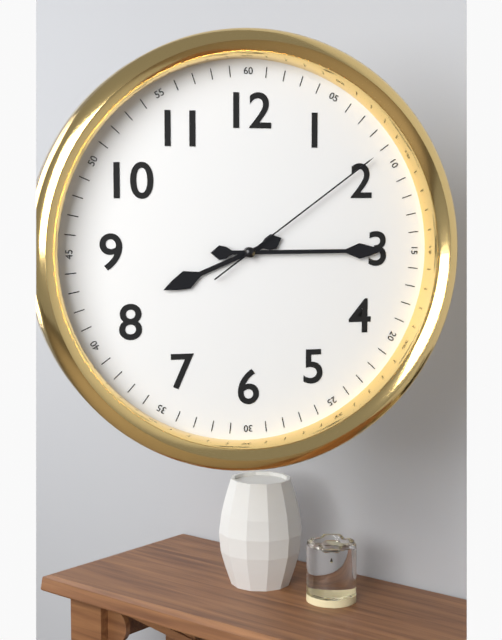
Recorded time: 8h15m09s
